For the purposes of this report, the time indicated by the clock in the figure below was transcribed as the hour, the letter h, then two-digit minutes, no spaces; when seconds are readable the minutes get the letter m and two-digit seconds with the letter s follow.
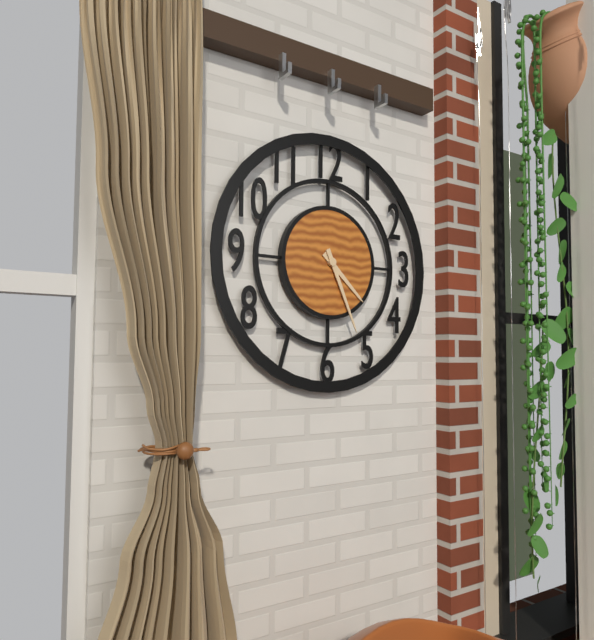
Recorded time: 4h26
